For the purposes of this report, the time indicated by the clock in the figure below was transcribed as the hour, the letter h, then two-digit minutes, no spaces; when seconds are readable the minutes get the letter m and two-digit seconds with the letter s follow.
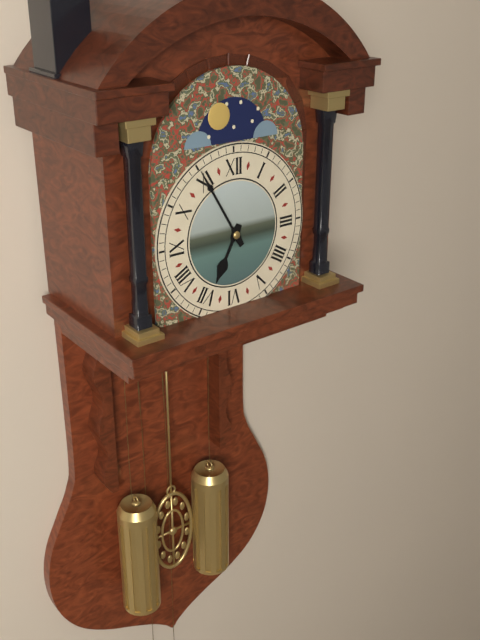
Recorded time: 6h55
